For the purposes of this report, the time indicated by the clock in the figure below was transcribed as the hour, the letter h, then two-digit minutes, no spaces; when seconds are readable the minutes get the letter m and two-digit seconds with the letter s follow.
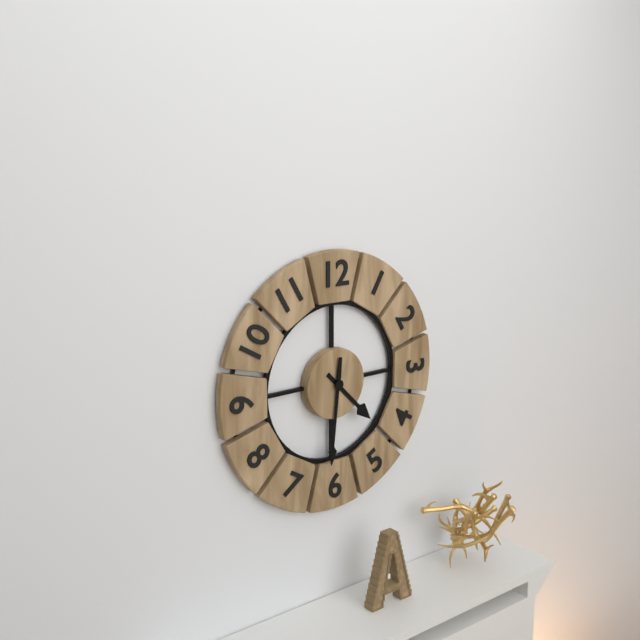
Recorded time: 4h31
